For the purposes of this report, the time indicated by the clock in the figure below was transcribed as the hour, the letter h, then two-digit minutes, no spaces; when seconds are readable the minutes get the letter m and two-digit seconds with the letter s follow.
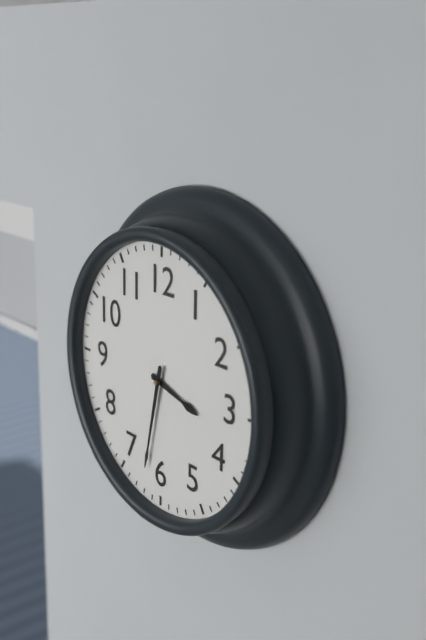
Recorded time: 3h32
